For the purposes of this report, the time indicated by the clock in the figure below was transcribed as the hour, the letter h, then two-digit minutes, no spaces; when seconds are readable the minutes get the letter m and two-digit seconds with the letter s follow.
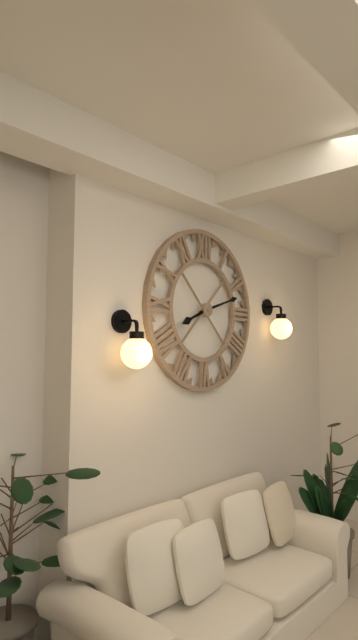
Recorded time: 8h12
